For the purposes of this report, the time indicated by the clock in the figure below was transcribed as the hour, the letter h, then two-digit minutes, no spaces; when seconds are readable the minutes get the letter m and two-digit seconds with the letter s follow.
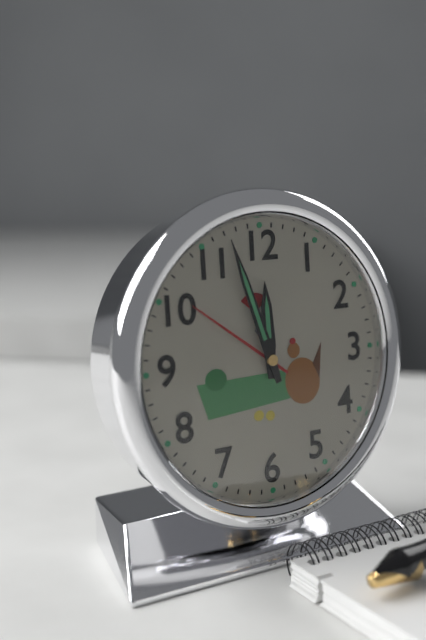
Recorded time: 11h57
